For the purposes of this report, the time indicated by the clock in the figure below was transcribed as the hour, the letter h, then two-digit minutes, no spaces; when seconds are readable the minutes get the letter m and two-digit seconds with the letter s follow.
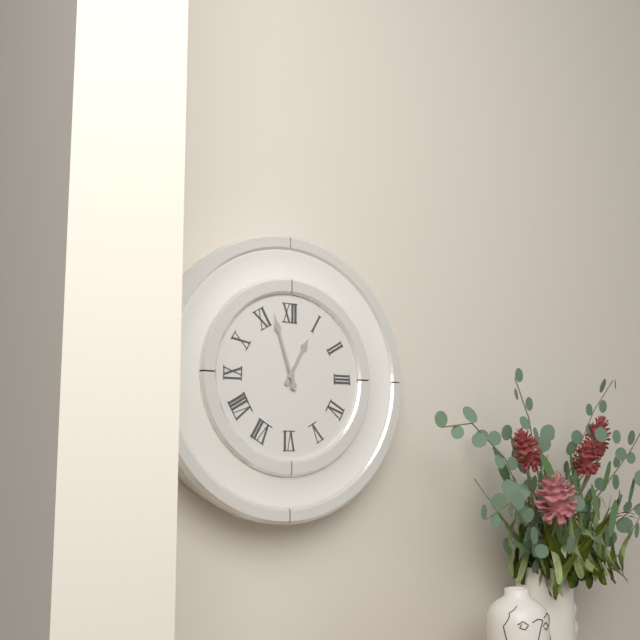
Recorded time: 12h57
